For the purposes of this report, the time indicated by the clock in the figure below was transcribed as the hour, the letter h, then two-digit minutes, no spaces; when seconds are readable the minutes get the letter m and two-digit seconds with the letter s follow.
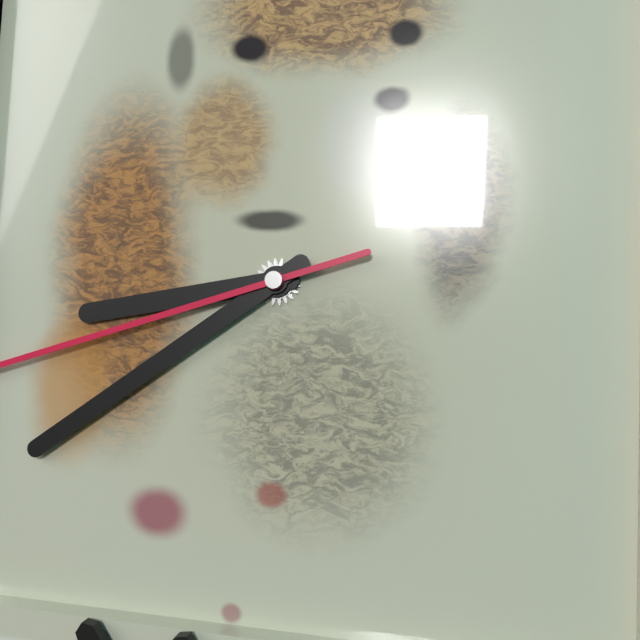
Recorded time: 8h39
